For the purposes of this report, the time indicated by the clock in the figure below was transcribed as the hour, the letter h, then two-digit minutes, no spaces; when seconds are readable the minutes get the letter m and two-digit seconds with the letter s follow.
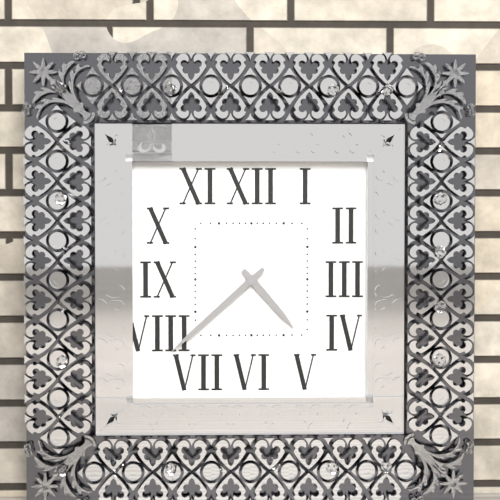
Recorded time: 4h38
